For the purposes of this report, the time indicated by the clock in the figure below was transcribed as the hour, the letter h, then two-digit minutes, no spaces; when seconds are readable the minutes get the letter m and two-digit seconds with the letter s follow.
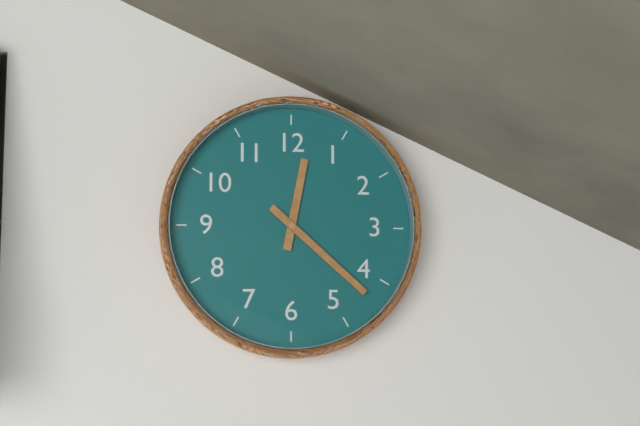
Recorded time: 12h22
